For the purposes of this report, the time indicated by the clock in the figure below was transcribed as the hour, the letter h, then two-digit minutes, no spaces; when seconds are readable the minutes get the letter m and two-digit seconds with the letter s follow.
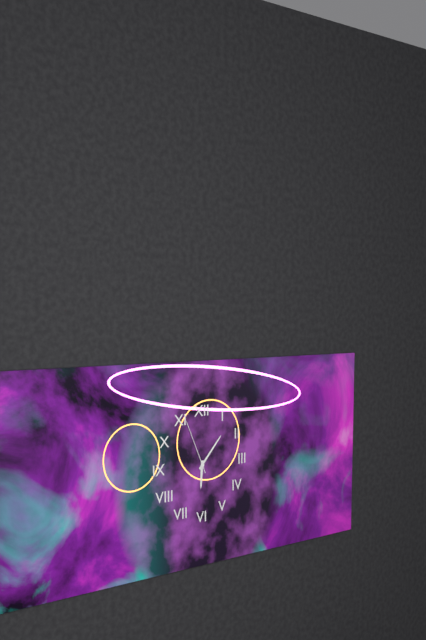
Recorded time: 6h07m56s
